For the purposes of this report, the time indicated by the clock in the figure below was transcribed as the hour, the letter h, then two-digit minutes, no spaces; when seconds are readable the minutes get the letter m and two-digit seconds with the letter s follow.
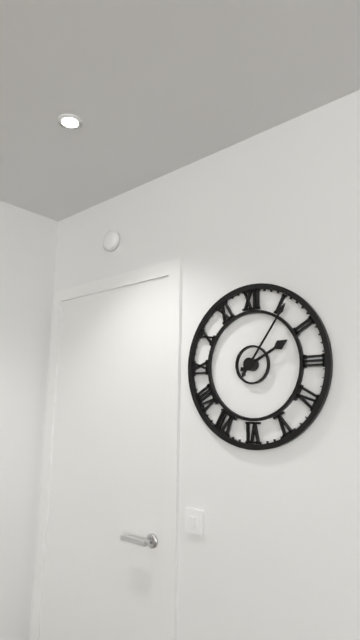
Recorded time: 2h06
